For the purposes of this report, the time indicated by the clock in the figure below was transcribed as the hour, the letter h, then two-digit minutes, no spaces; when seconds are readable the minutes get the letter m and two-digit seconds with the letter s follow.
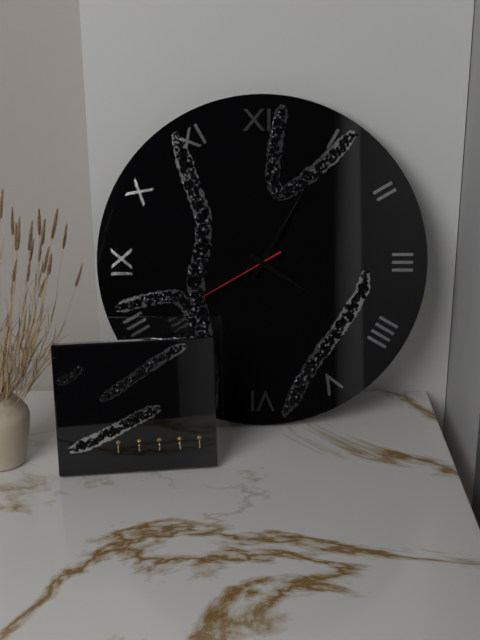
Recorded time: 4h05m40s
